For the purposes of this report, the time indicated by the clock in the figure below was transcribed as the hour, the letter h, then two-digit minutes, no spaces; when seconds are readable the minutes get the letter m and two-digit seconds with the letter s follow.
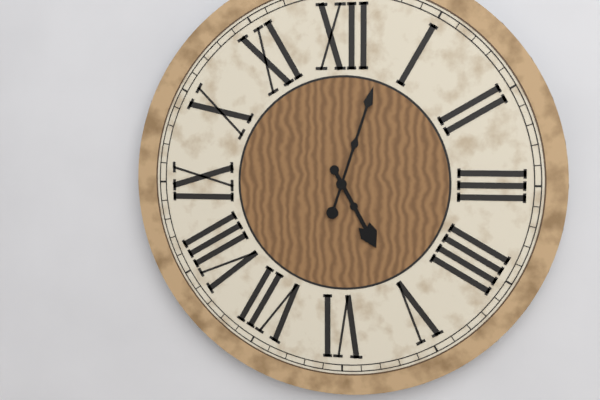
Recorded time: 5h03
